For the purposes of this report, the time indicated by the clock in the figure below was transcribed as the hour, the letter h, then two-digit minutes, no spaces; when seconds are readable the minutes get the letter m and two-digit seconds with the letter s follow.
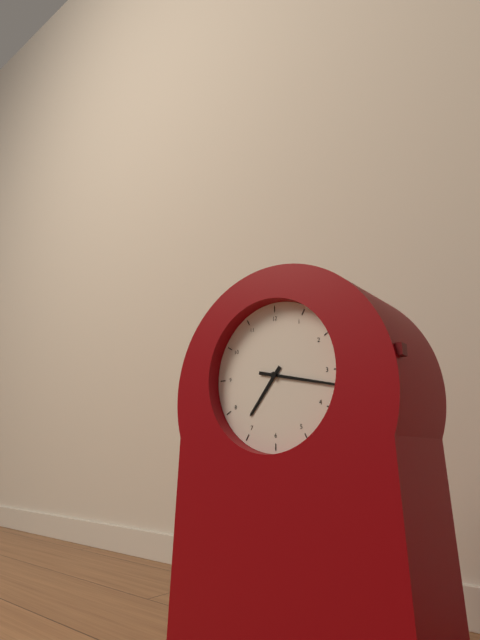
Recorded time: 7h17
